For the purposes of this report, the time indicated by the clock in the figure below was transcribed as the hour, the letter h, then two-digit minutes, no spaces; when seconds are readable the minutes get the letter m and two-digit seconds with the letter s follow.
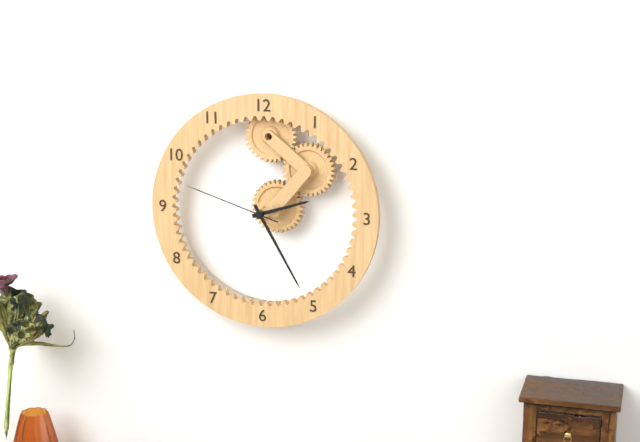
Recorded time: 2h25m48s
